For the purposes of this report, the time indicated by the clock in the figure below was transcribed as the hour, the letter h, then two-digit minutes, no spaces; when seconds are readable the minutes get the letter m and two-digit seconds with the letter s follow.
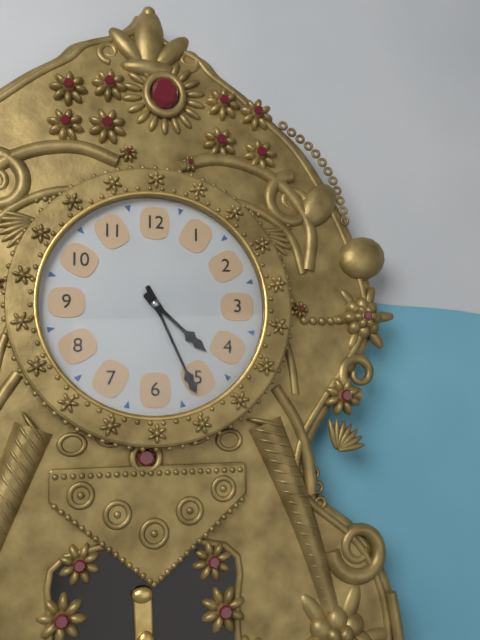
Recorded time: 4h26
